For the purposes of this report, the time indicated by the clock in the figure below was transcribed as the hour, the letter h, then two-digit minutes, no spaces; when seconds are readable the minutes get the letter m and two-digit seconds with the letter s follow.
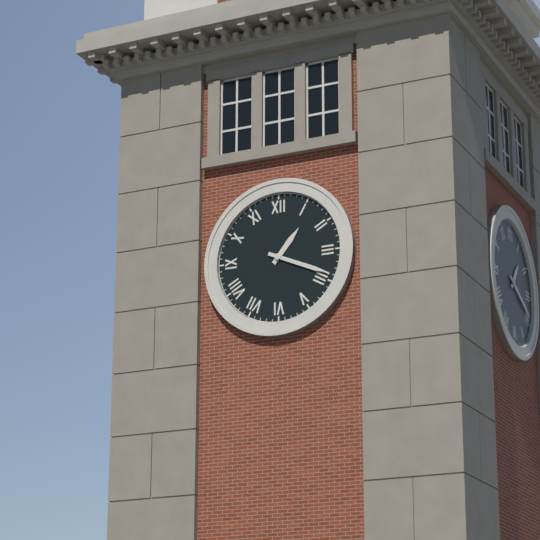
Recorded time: 1h19
